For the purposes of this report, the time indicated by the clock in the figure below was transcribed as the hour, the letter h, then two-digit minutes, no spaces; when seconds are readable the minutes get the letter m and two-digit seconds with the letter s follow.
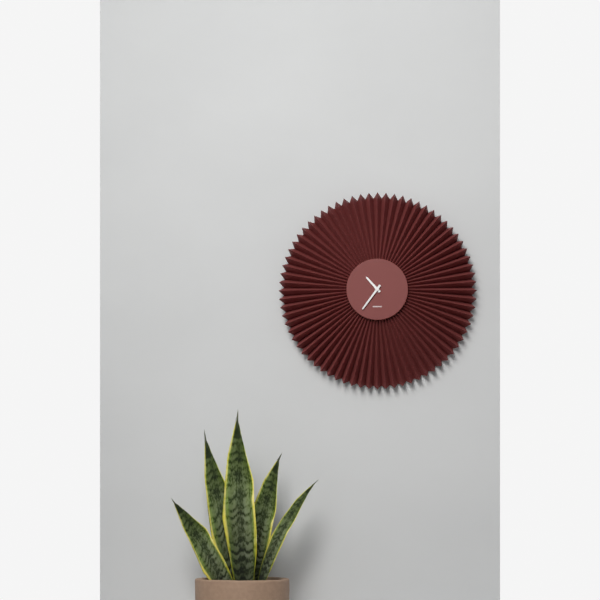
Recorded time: 10h36
